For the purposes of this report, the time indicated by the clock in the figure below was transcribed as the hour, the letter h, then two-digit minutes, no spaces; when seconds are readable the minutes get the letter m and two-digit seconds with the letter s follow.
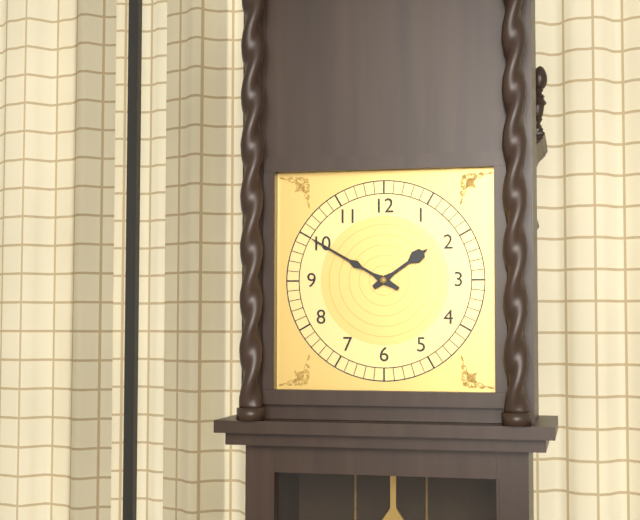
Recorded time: 1h50
